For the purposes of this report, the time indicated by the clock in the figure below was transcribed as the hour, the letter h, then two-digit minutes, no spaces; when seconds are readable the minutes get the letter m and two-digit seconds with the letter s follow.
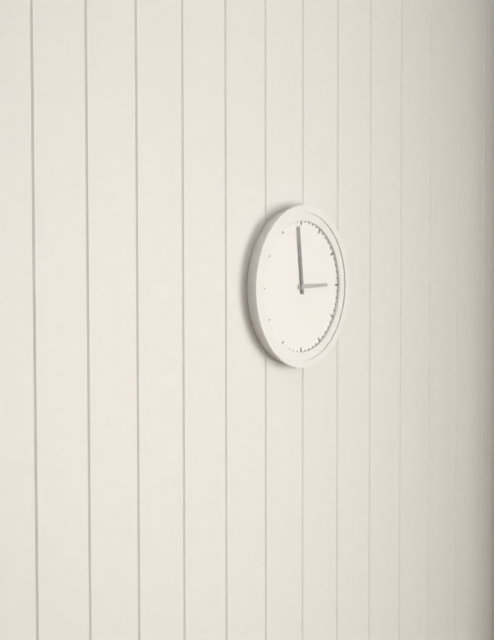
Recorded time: 2h59
